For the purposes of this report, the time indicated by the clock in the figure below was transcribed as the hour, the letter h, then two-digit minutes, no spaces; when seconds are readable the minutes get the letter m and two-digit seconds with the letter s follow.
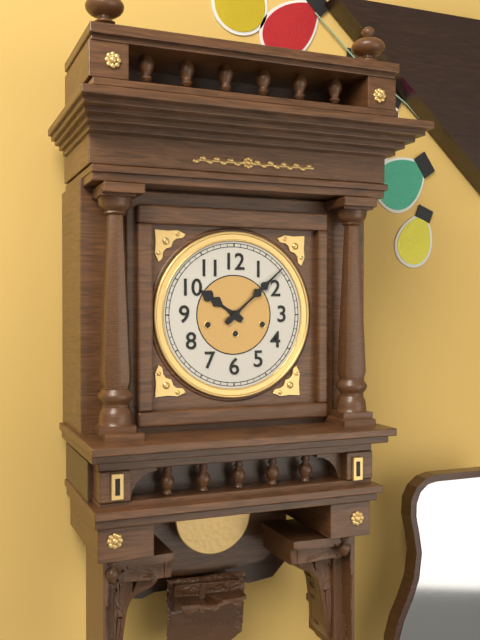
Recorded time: 10h08
